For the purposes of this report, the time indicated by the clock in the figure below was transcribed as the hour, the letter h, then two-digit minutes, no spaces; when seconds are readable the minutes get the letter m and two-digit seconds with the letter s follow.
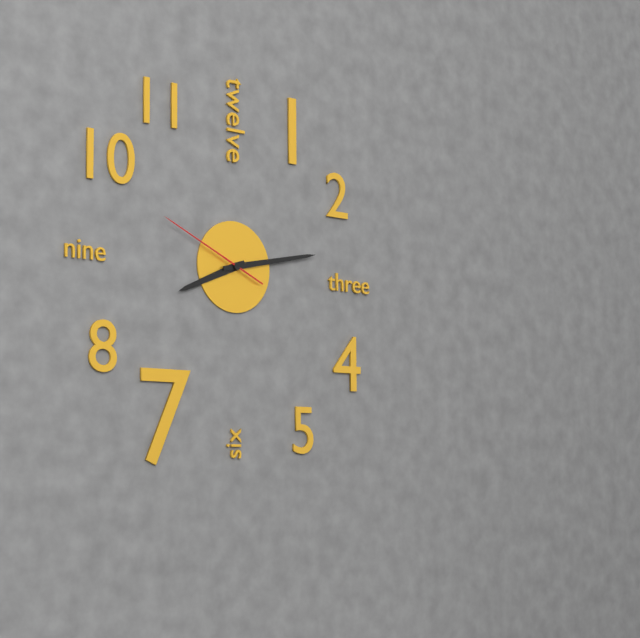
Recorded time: 8h13m49s
